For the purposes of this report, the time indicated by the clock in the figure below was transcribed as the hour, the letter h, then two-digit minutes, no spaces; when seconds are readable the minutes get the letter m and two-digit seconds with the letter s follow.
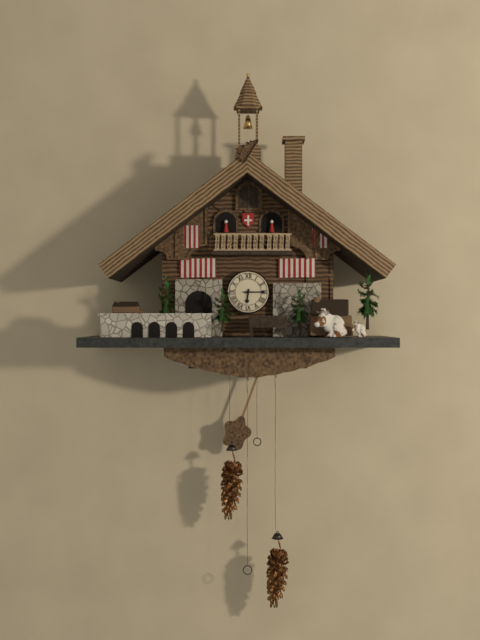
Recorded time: 6h15
